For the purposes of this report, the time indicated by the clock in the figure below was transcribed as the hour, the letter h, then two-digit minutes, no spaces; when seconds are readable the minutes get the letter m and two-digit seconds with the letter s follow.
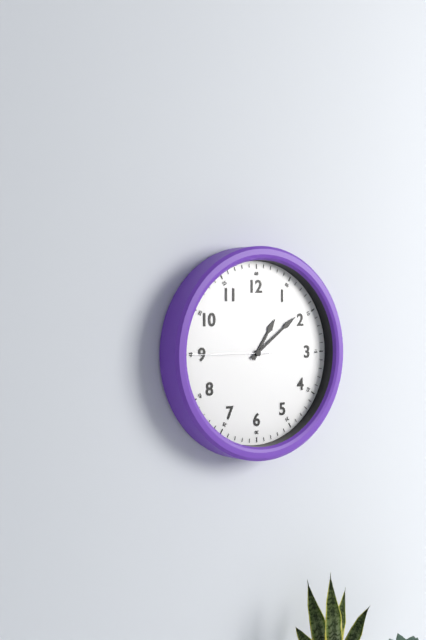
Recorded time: 1h09m45s
